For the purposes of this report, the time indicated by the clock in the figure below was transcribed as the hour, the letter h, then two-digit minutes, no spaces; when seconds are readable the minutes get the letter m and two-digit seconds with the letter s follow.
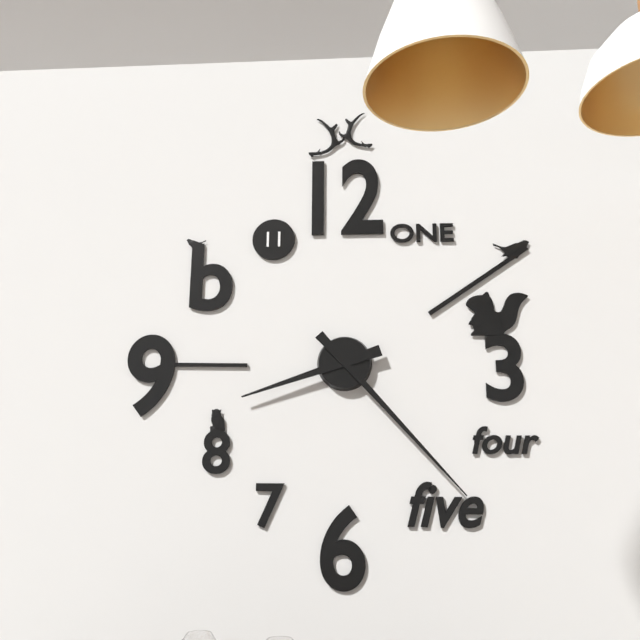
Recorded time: 8h23
